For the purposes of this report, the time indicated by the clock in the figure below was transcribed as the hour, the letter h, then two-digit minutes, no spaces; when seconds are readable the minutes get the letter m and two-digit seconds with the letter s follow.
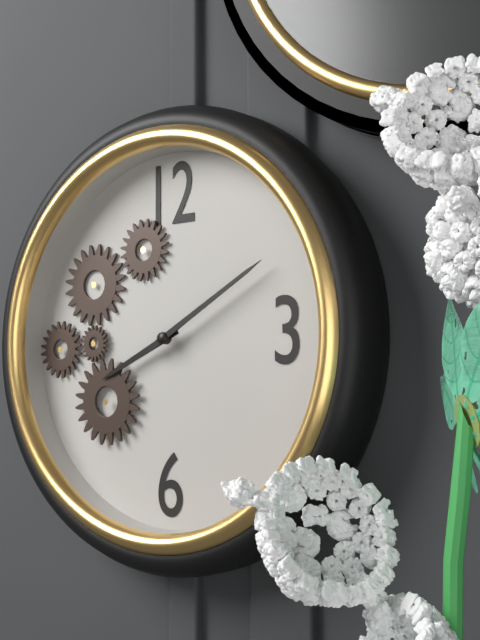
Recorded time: 8h10
